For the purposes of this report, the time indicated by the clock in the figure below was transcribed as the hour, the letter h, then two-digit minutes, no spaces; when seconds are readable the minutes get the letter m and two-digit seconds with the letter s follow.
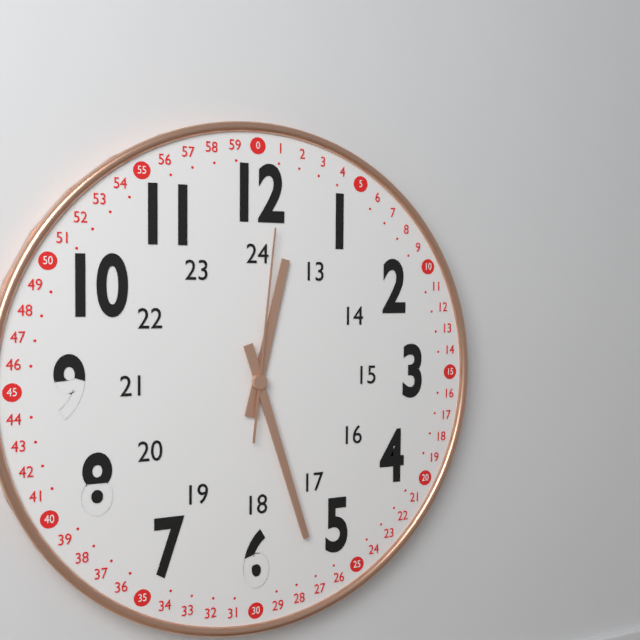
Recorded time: 12h27m01s
